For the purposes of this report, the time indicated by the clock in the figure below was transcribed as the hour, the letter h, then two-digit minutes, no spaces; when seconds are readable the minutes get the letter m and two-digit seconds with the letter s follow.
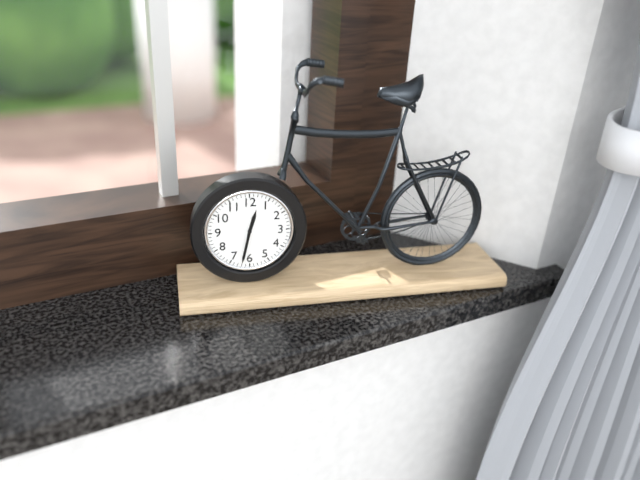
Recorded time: 12h32
